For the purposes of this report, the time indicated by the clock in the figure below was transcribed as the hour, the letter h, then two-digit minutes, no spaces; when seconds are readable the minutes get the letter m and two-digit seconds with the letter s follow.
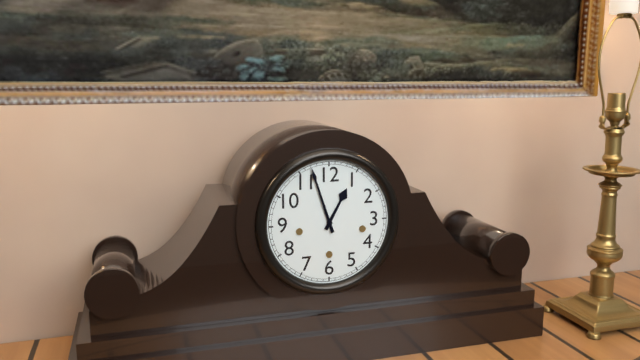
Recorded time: 12h57
